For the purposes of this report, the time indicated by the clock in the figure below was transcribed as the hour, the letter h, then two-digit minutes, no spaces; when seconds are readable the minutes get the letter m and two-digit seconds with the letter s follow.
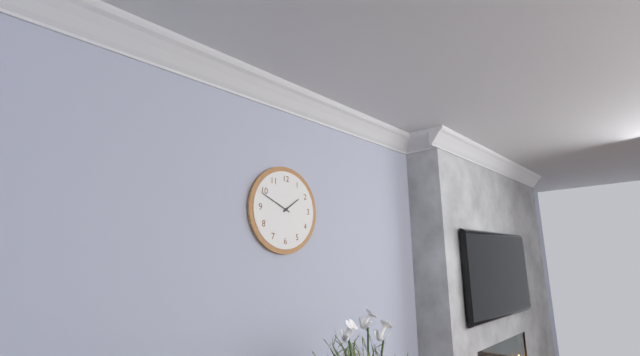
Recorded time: 1h49
